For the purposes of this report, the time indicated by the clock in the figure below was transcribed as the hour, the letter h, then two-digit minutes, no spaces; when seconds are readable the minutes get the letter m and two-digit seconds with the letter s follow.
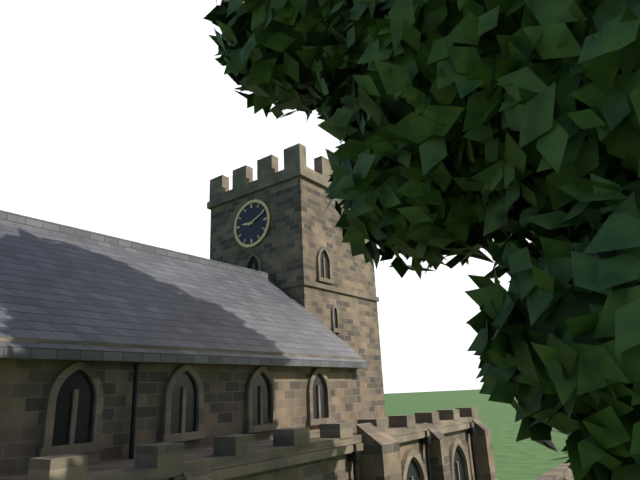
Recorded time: 9h11
